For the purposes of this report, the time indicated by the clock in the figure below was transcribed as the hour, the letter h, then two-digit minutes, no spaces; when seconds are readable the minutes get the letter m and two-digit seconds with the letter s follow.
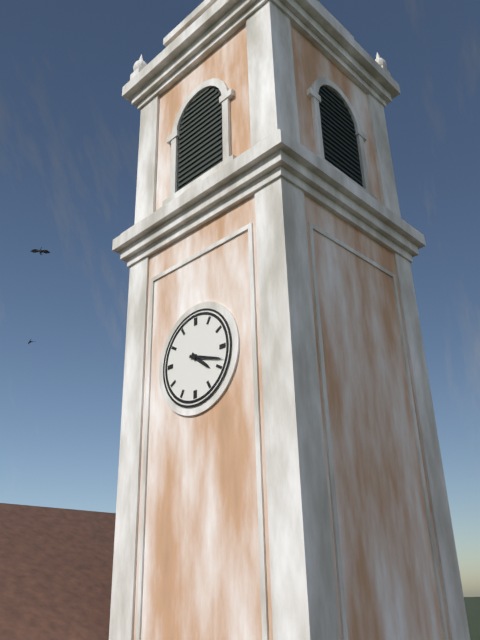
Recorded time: 4h18
